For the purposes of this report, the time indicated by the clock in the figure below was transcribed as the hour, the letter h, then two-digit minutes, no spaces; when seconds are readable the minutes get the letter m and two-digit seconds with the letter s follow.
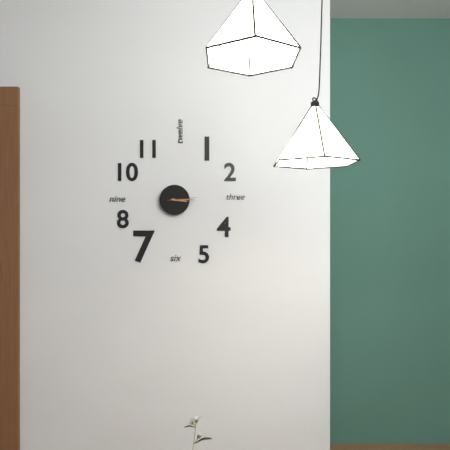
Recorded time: 3h15
